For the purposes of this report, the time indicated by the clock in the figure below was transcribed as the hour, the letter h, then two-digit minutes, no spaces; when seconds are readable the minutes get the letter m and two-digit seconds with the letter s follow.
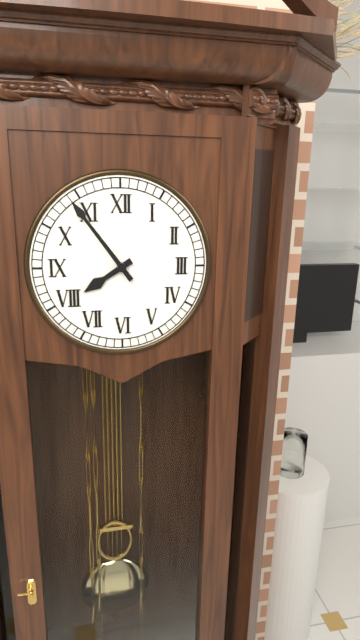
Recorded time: 7h54
